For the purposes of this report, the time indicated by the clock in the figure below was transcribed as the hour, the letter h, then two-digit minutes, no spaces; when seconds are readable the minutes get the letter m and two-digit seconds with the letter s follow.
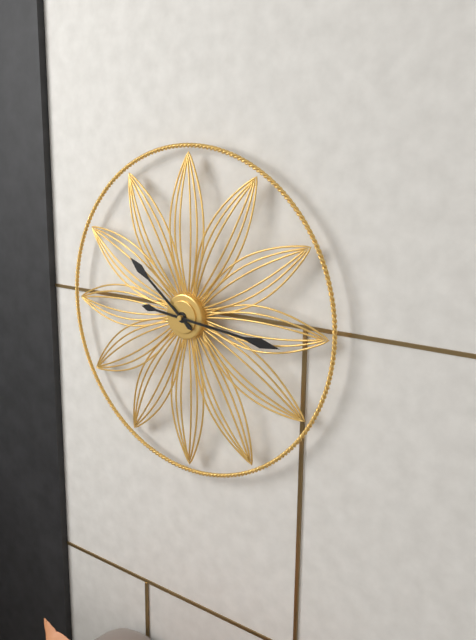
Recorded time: 10h16
